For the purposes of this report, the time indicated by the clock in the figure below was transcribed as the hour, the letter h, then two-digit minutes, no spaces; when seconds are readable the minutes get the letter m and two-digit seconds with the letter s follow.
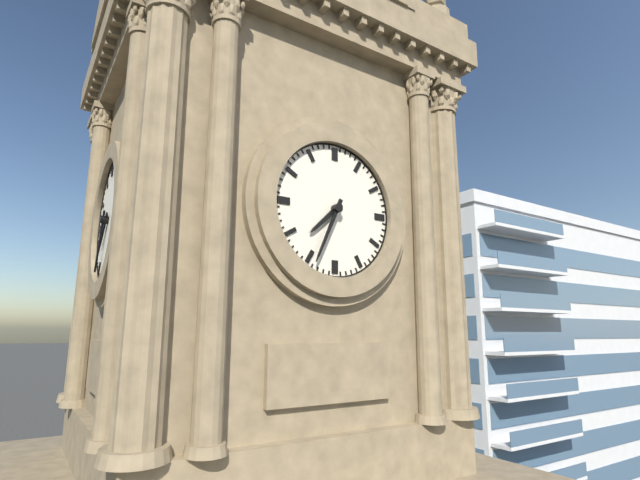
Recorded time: 7h34
